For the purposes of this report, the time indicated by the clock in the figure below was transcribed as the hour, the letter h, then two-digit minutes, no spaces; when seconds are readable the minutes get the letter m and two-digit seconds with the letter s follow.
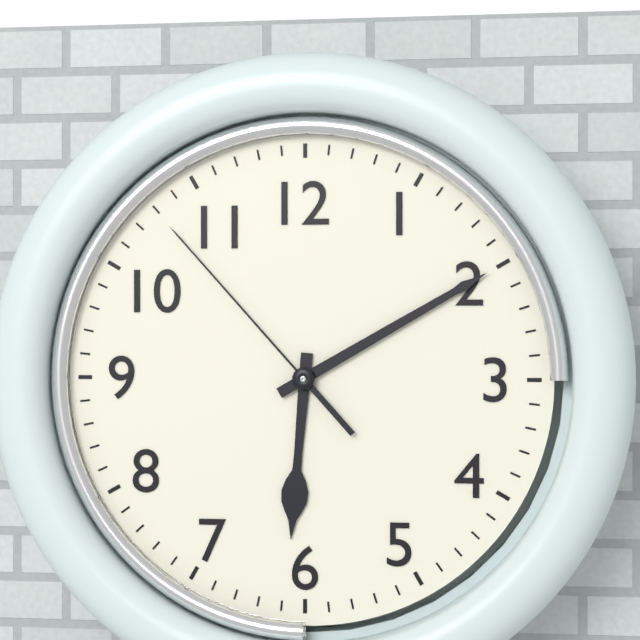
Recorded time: 6h10m53s
